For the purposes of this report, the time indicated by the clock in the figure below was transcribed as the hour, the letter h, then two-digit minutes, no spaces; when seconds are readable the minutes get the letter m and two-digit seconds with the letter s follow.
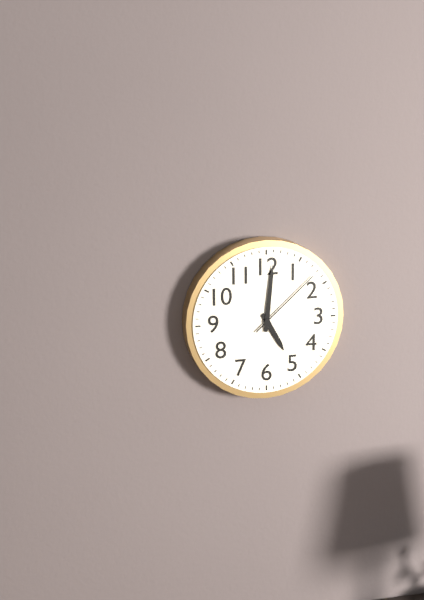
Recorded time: 5h01m08s
